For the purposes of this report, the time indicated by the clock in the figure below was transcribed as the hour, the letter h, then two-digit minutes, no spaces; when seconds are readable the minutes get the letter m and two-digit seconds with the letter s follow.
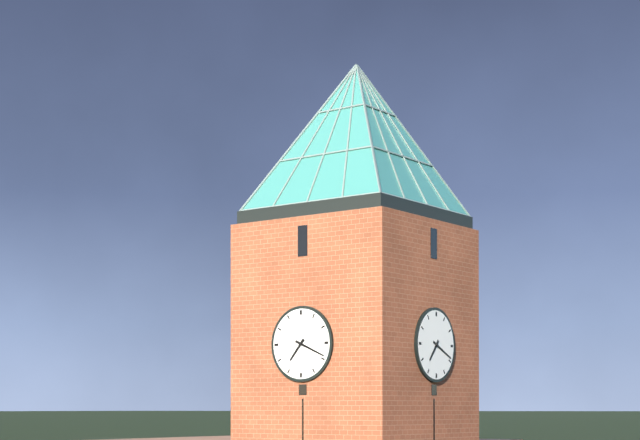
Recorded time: 7h19
